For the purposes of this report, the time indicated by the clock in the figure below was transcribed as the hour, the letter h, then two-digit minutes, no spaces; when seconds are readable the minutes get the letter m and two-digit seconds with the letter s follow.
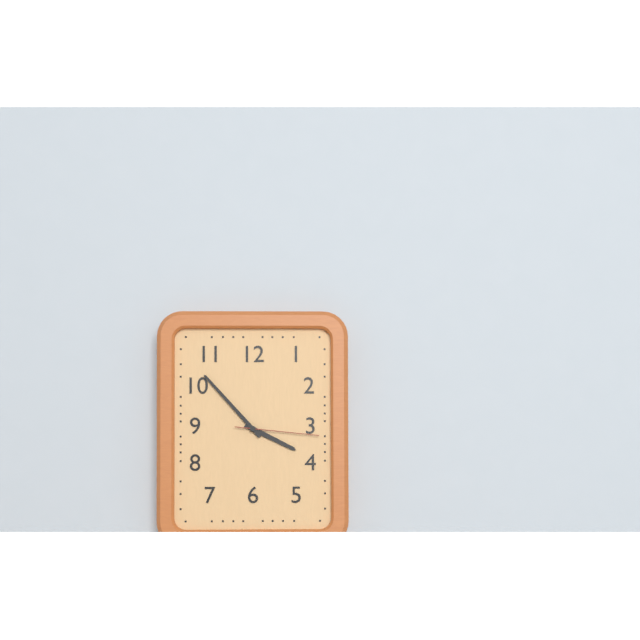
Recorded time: 3h53m16s
